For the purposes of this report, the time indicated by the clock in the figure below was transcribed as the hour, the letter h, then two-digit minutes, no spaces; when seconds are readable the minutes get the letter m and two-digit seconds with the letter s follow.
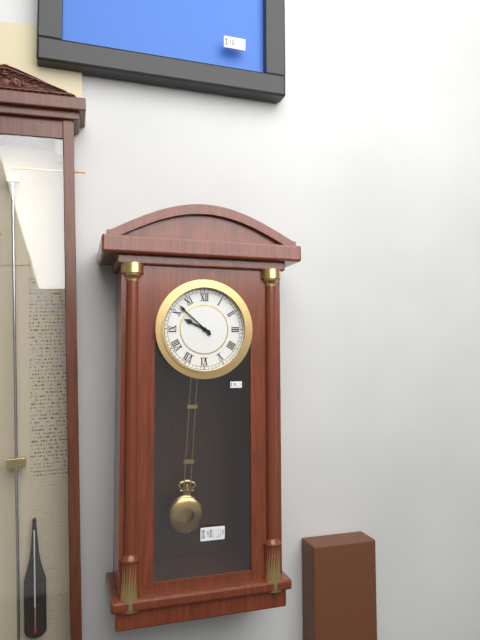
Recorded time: 9h52
